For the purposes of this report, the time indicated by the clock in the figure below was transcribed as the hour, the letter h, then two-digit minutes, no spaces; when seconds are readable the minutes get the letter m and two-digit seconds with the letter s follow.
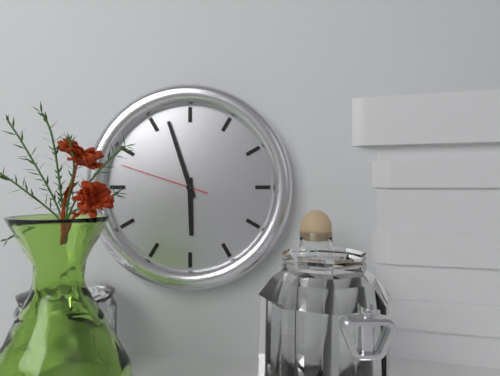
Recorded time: 5h57m48s
